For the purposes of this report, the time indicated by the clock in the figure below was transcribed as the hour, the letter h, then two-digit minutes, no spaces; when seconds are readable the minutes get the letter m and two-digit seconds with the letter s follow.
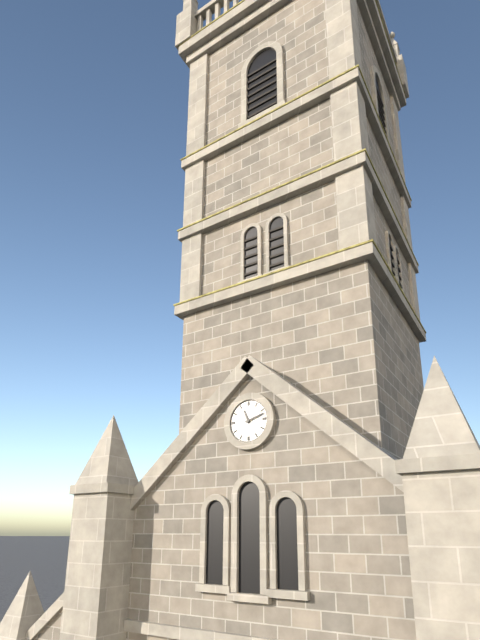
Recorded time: 11h12
